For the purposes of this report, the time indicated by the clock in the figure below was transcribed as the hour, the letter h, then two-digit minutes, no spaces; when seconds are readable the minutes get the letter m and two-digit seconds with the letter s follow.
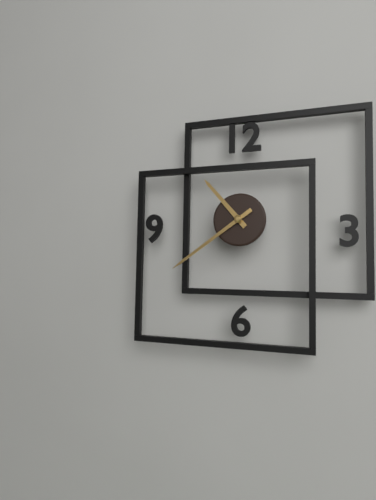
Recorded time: 10h39
